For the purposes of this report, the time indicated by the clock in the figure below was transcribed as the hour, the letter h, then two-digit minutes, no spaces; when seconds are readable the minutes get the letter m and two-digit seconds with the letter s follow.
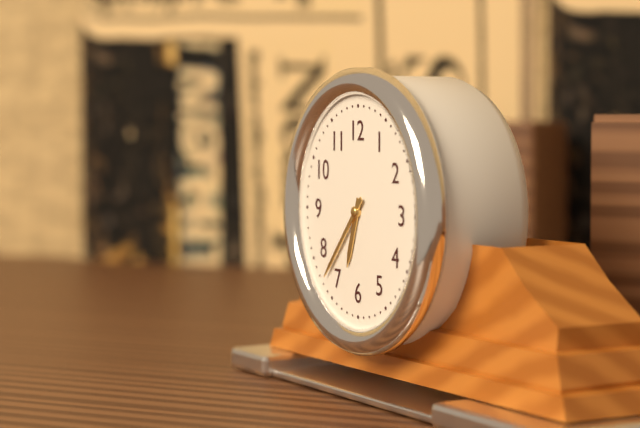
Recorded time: 6h37
